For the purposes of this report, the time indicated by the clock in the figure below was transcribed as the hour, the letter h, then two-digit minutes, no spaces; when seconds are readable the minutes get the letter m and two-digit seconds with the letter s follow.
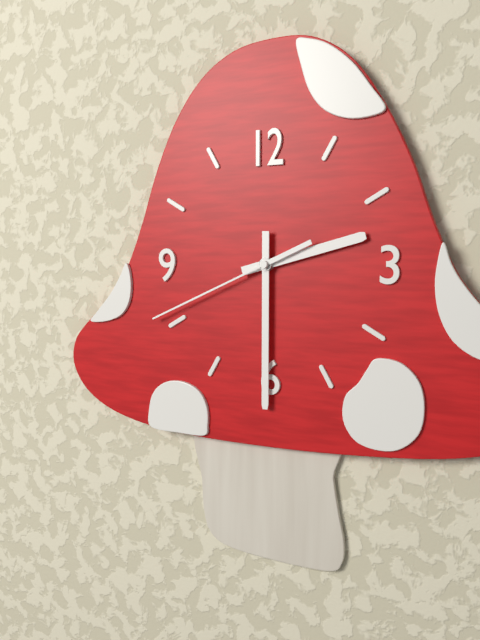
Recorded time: 2h30m41s
